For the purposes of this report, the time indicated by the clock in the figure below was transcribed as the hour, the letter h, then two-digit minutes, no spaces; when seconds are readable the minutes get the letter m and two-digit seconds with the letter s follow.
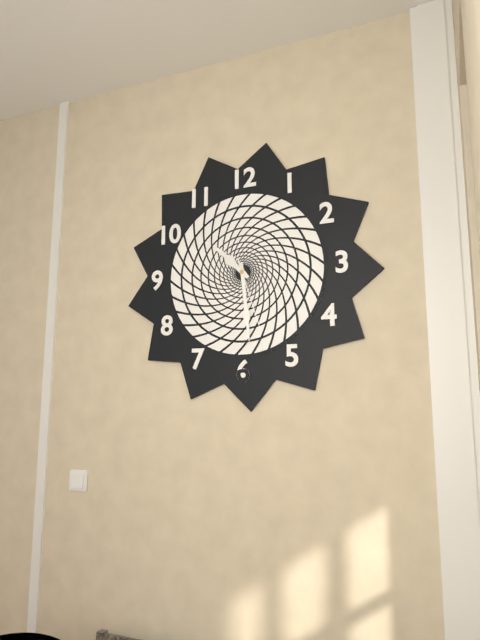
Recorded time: 10h29m27s
